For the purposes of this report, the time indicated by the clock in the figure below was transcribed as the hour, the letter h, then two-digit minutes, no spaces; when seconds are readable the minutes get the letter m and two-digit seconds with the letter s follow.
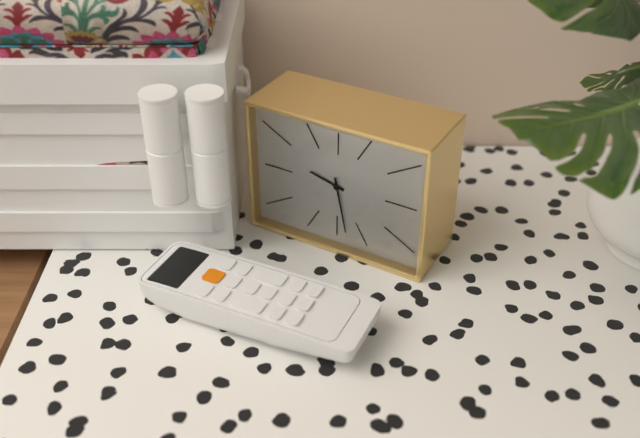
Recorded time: 9h28
